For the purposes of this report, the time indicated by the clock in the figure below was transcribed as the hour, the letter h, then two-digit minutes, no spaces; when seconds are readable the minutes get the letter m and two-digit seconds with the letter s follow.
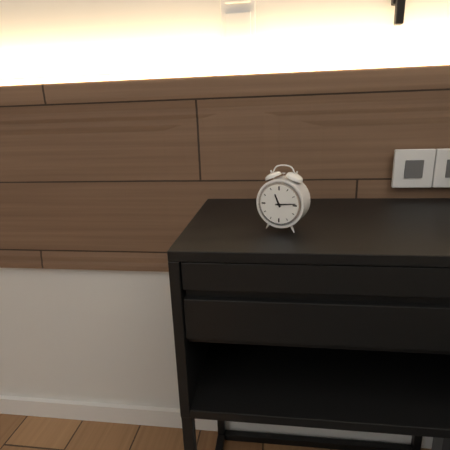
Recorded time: 11h14
